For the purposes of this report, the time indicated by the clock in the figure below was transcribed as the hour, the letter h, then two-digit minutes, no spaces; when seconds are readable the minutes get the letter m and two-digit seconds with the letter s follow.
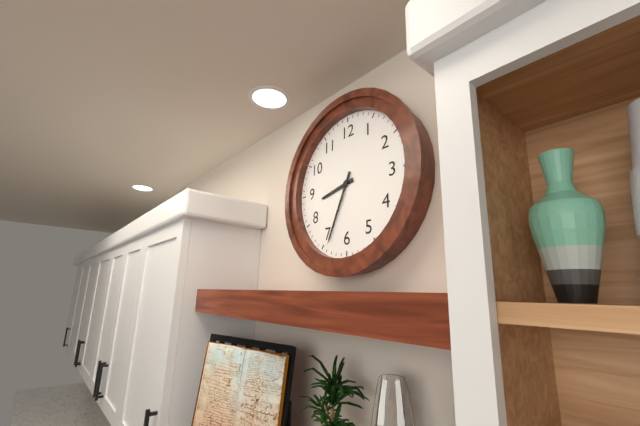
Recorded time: 8h34
